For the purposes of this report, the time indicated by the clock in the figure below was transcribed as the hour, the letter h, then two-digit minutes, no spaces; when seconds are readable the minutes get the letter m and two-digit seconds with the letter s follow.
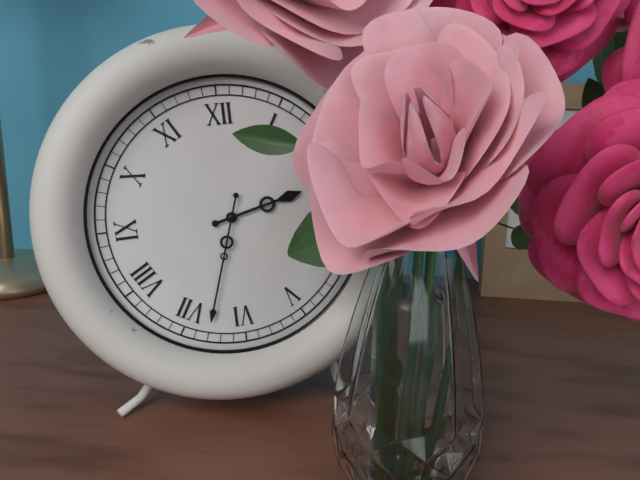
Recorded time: 2h33
